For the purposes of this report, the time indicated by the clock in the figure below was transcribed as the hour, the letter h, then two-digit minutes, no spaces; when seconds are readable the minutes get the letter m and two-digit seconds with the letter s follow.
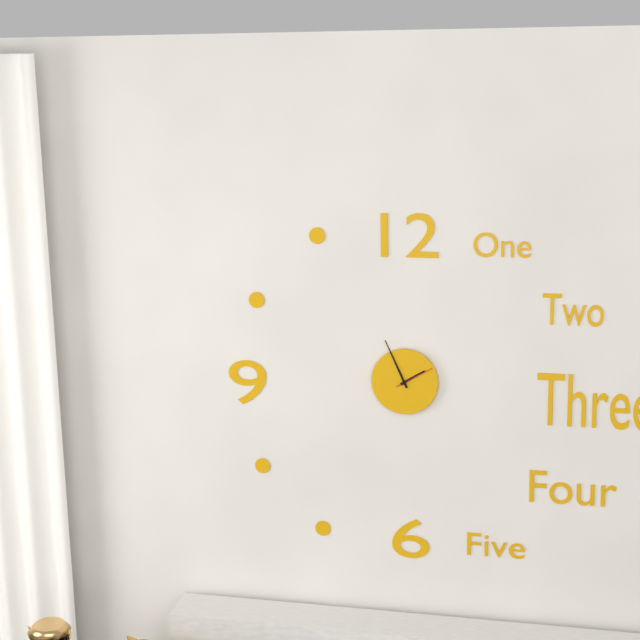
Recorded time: 1h56
